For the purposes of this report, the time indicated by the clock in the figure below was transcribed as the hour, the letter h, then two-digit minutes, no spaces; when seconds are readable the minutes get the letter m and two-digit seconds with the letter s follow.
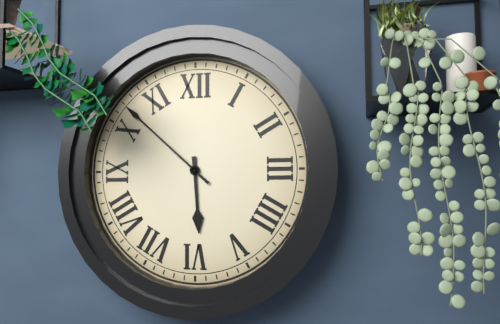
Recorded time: 5h52
